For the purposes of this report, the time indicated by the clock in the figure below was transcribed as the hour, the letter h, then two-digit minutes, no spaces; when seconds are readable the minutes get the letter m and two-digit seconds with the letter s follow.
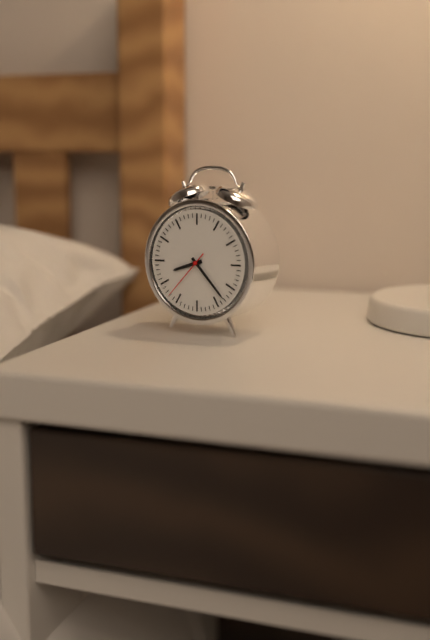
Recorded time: 8h23m37s
